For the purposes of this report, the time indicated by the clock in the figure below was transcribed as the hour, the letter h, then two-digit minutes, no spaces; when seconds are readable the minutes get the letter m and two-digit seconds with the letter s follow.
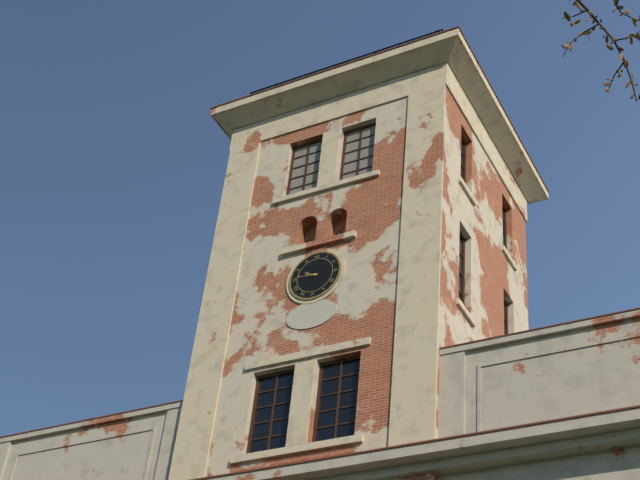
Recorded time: 9h46
